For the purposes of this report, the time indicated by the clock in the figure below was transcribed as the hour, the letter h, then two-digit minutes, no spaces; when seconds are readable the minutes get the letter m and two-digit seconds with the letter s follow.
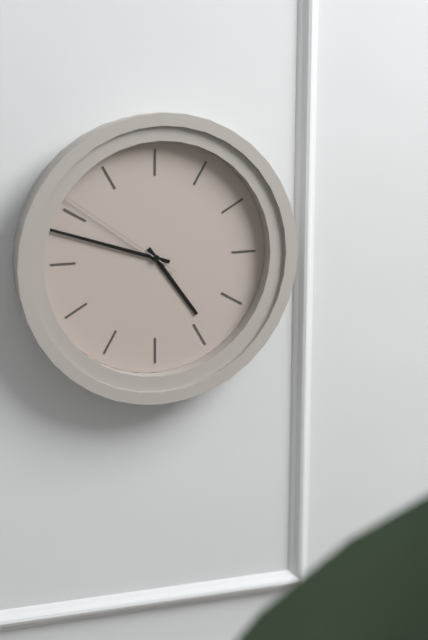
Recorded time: 4h48m51s
